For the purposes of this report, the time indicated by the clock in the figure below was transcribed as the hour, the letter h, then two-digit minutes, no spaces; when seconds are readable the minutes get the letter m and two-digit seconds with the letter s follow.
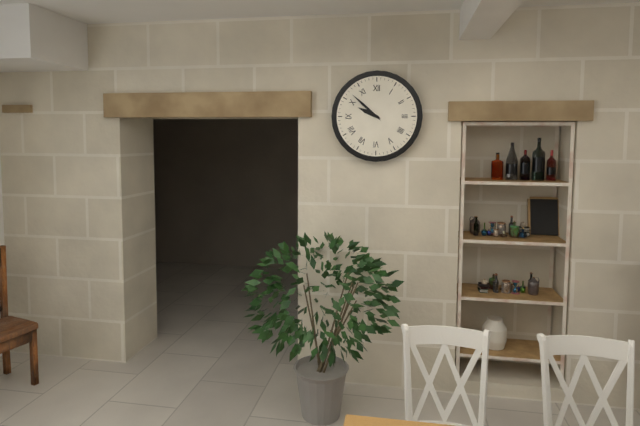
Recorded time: 9h52
